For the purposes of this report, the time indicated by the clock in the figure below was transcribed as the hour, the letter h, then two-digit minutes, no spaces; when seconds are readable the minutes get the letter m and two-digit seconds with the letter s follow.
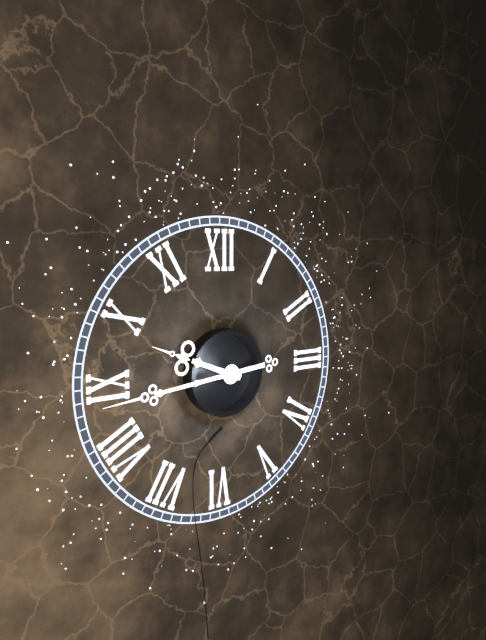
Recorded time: 9h44
